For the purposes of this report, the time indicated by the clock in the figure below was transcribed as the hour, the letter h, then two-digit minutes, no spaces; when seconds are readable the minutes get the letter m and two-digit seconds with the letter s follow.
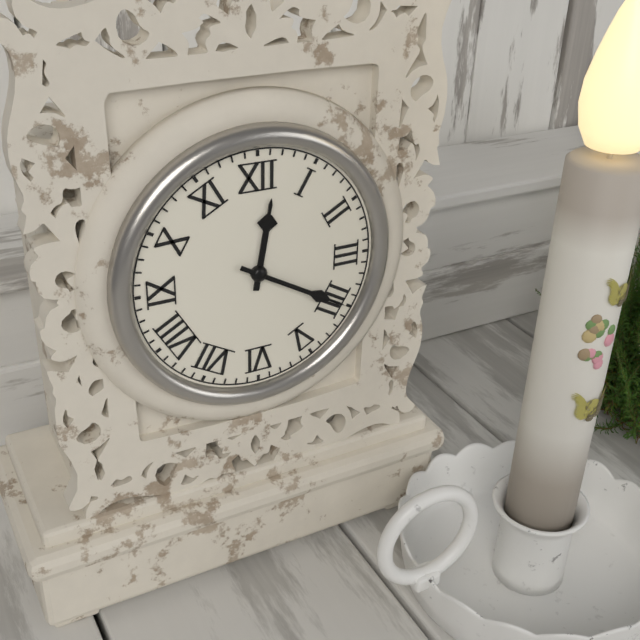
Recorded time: 12h20
